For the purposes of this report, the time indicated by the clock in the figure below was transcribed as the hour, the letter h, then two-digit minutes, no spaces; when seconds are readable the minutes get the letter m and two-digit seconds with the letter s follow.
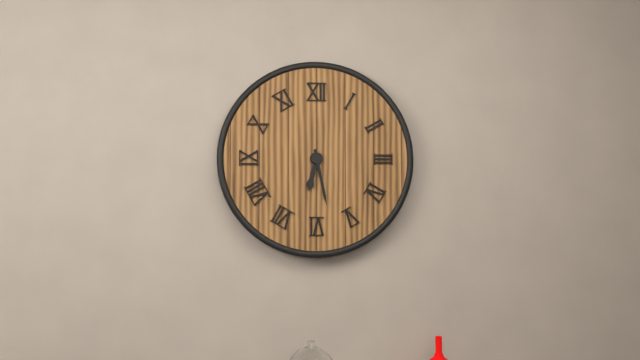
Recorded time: 6h28
